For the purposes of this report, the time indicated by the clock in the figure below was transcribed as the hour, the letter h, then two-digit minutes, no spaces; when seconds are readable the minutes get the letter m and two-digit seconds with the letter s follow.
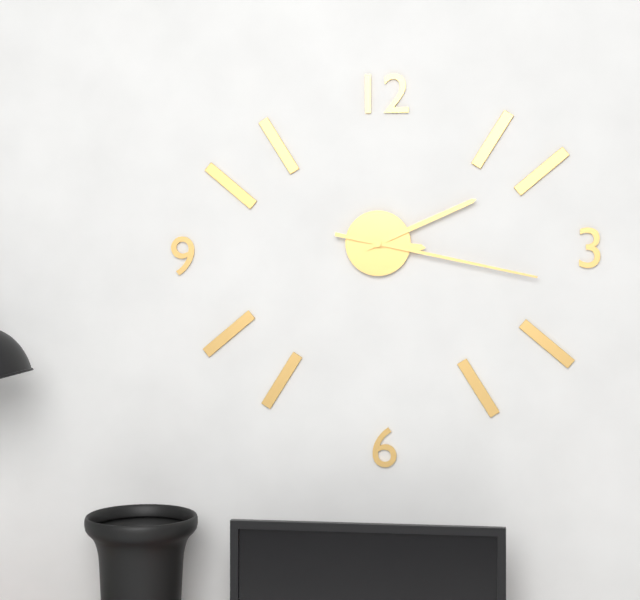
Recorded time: 3h11m17s
